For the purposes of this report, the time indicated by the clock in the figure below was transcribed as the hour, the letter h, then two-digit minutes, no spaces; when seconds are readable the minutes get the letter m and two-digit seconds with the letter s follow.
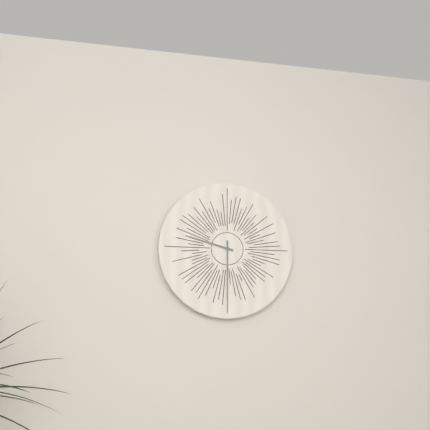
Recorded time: 9h30
